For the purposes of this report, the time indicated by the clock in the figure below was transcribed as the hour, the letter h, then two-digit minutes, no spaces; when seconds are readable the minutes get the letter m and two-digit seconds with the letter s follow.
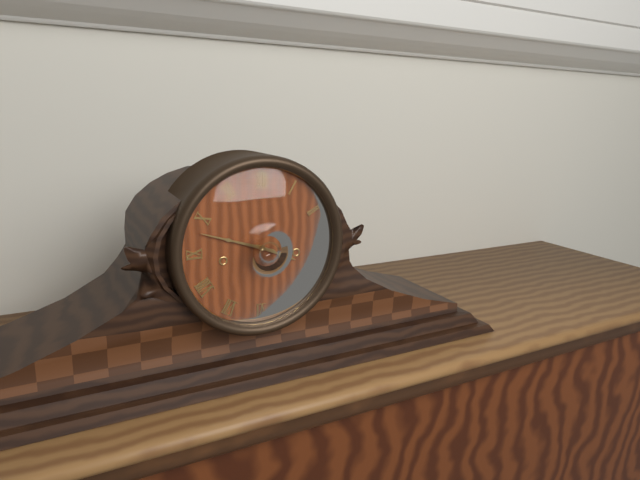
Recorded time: 3h48
